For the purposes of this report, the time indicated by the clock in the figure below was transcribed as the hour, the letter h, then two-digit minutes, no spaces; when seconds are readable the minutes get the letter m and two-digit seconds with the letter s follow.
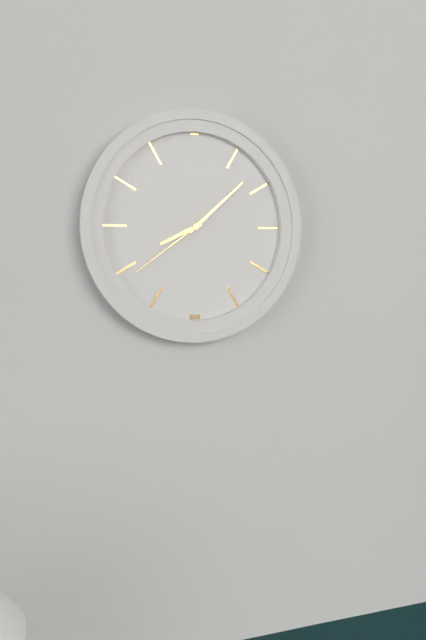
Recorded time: 8h08m39s
